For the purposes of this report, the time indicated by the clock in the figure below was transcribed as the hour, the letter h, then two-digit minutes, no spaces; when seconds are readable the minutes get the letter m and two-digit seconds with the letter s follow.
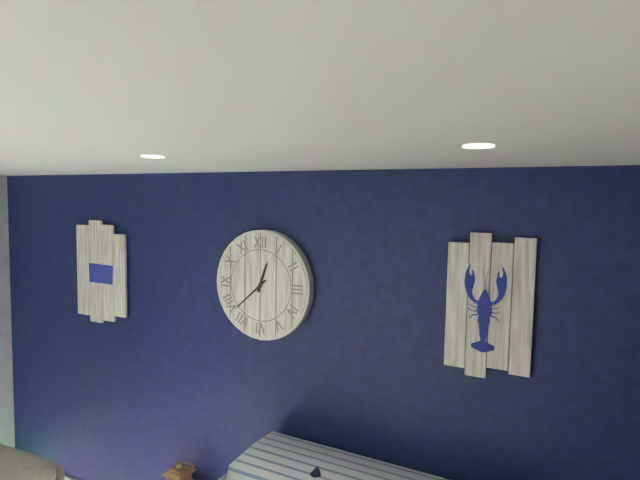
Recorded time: 12h38
